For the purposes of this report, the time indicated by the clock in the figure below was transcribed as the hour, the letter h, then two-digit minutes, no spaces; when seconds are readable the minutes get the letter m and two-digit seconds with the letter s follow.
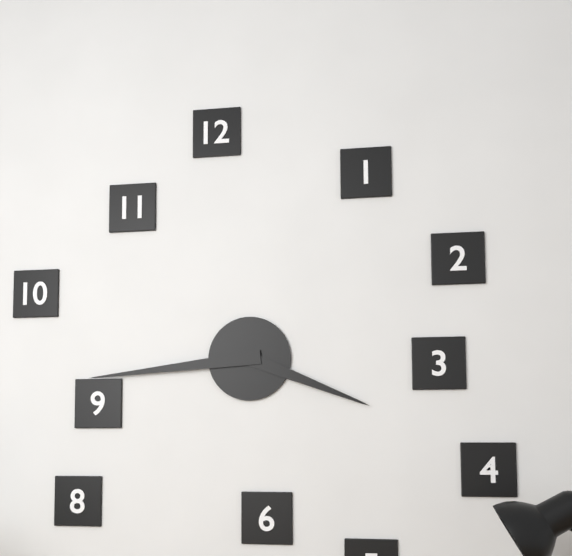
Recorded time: 3h44
